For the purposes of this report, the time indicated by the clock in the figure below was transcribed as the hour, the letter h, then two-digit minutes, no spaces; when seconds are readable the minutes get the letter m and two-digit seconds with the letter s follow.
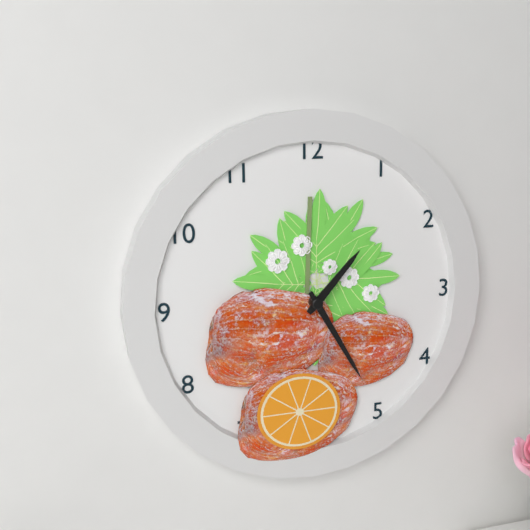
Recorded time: 1h25
